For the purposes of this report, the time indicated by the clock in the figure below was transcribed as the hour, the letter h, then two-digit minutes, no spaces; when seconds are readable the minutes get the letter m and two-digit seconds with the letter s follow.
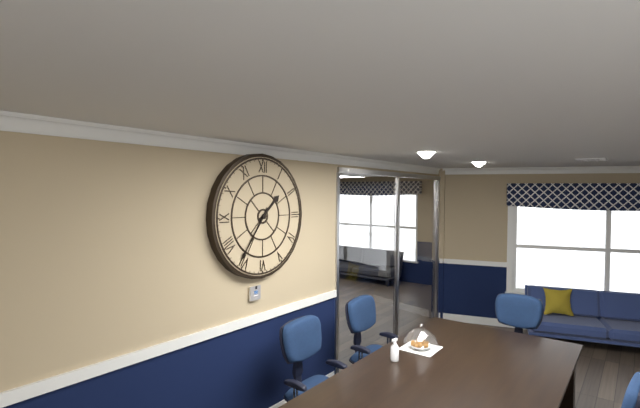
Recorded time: 1h36
